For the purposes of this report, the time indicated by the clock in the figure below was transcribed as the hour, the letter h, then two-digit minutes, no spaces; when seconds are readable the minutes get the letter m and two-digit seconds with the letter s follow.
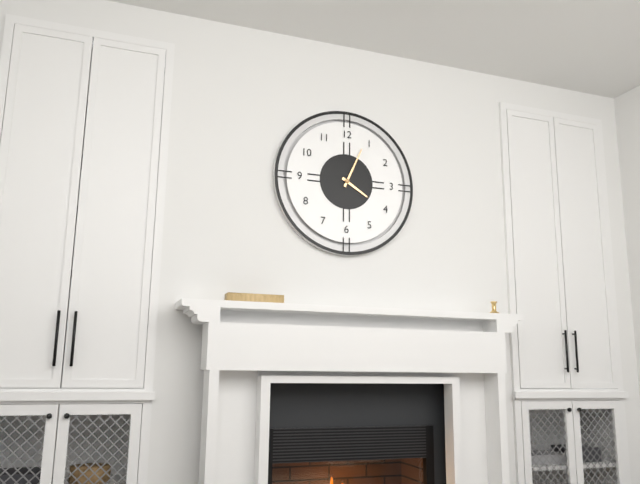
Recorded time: 4h04
